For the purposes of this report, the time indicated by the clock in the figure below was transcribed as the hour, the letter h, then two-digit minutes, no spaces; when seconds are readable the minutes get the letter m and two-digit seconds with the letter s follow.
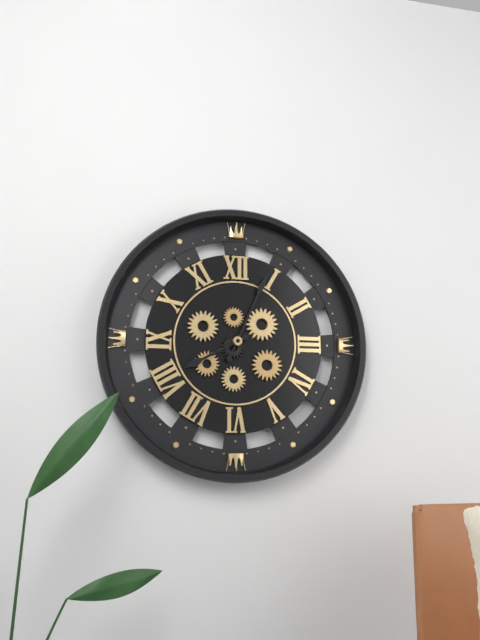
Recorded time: 8h04
